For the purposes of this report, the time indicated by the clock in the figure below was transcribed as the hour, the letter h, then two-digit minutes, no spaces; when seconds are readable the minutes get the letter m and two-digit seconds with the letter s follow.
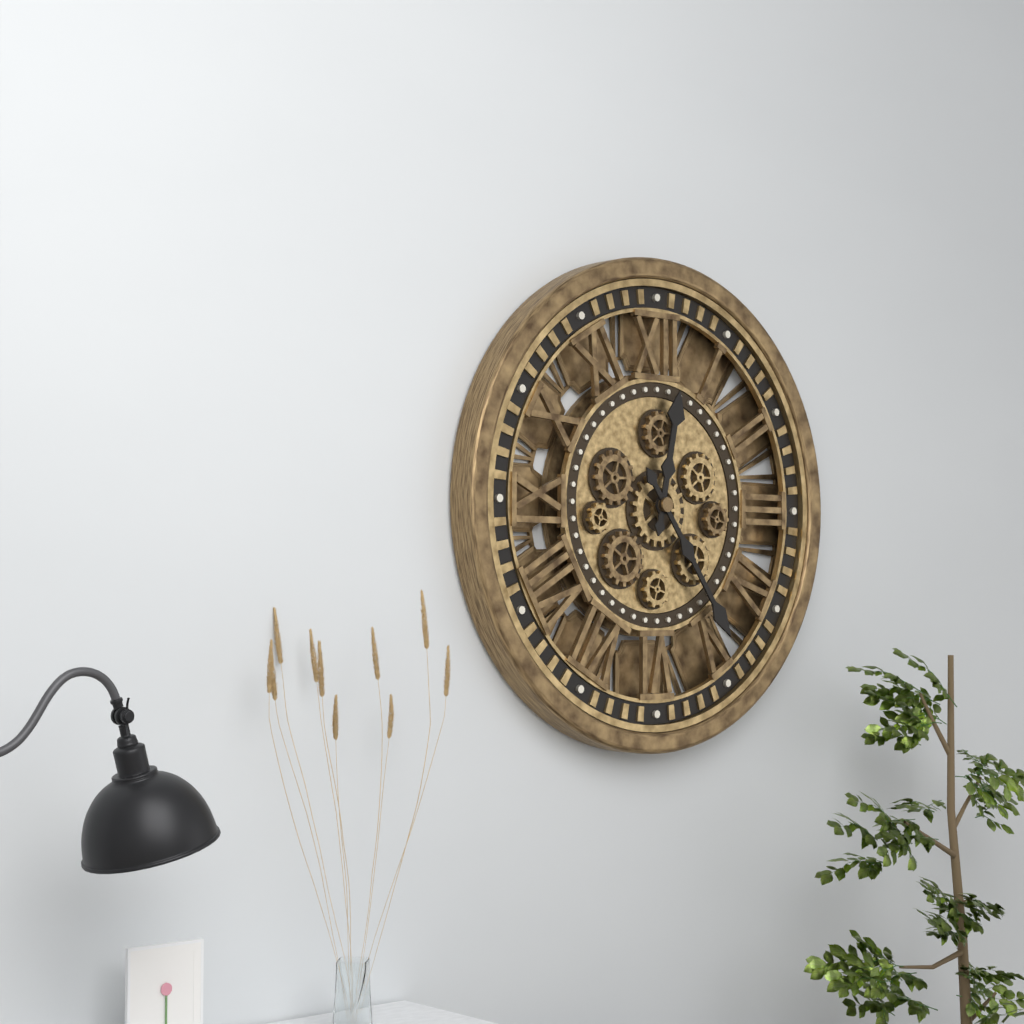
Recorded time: 12h24
